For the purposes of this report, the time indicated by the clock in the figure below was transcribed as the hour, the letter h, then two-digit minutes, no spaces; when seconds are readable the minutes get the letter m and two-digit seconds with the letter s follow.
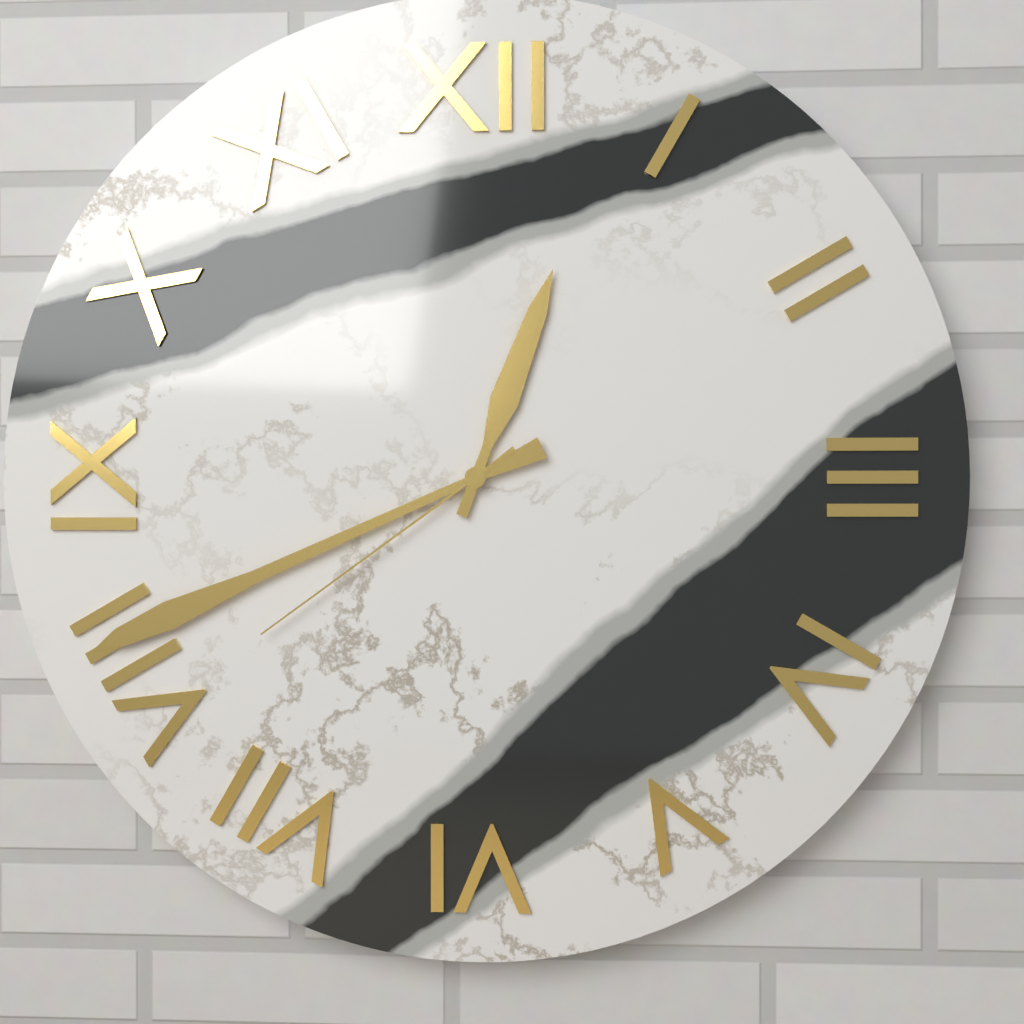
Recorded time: 12h41m39s
